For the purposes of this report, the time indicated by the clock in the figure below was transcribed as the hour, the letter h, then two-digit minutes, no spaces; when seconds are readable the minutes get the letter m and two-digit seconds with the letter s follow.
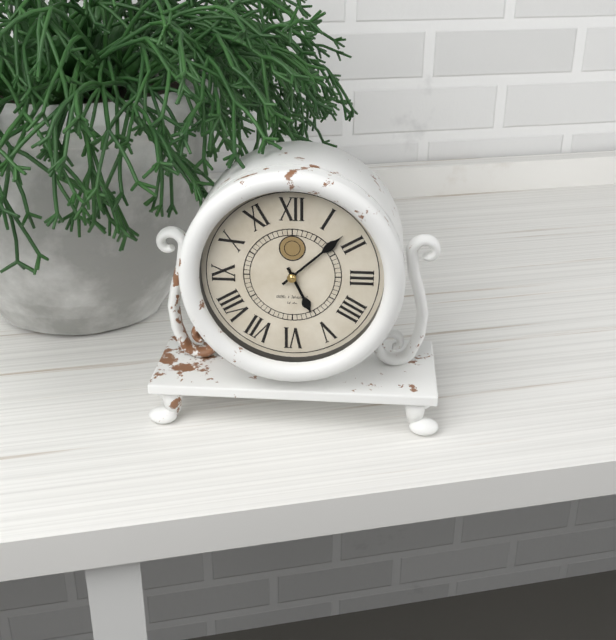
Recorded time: 5h08
